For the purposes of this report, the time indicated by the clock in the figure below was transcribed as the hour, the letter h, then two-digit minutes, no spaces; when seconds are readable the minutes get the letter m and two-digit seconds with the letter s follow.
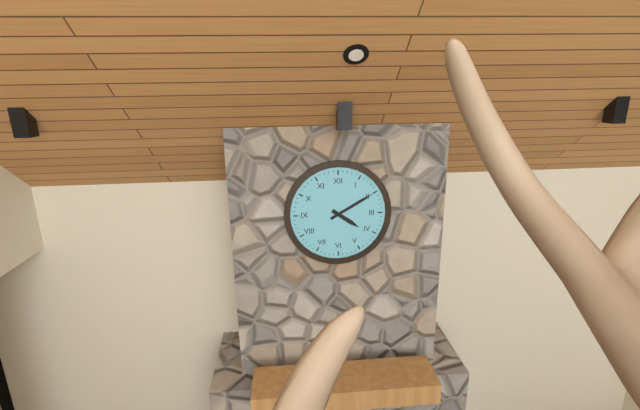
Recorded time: 4h10
